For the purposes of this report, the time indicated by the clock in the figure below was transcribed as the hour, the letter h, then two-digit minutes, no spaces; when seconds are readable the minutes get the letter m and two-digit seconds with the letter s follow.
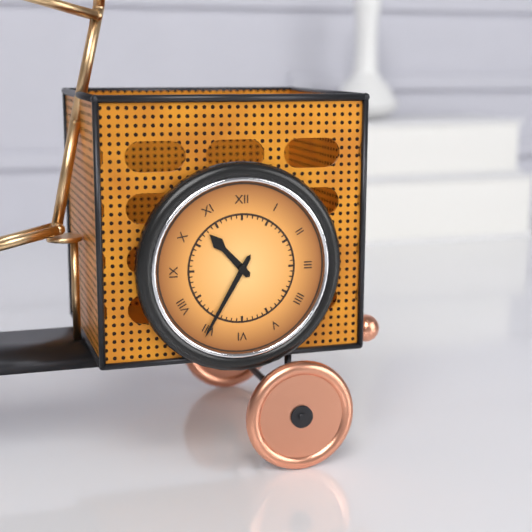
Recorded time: 10h35
